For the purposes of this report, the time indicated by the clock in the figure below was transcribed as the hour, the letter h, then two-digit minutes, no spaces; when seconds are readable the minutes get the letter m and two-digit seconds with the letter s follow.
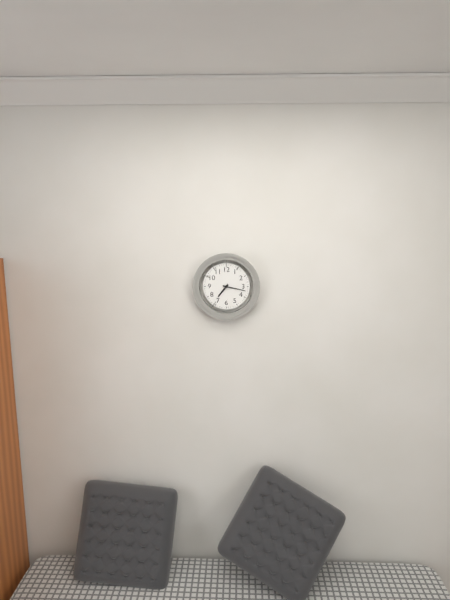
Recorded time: 7h17
